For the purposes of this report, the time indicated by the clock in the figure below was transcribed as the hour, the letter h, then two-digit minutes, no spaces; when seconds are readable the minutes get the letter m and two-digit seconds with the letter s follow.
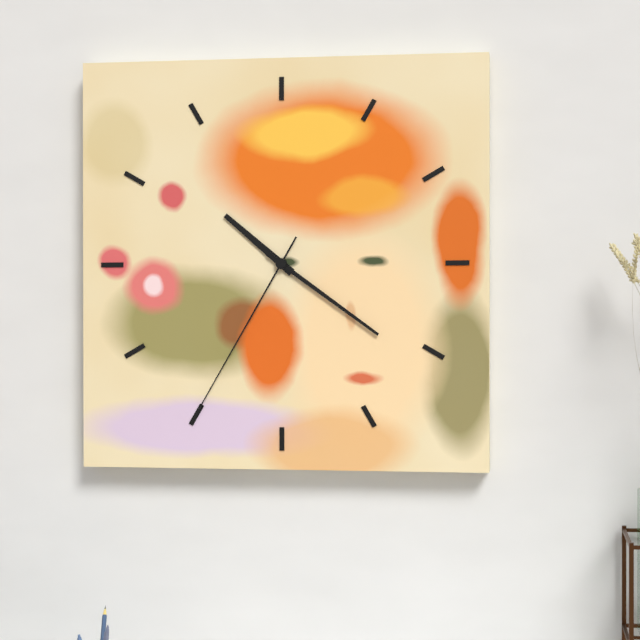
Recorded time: 10h21m35s
